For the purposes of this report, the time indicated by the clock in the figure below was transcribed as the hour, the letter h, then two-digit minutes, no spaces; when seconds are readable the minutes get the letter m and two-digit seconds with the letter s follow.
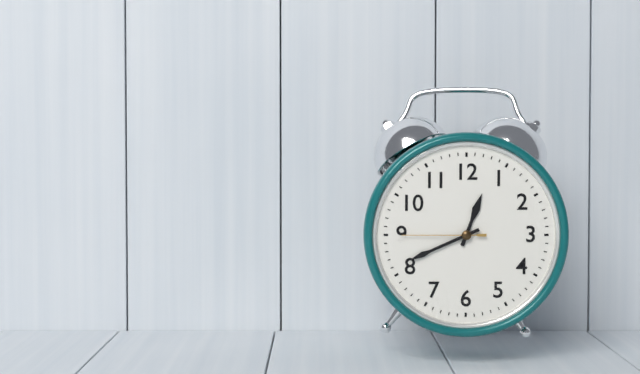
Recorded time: 12h41m45s
